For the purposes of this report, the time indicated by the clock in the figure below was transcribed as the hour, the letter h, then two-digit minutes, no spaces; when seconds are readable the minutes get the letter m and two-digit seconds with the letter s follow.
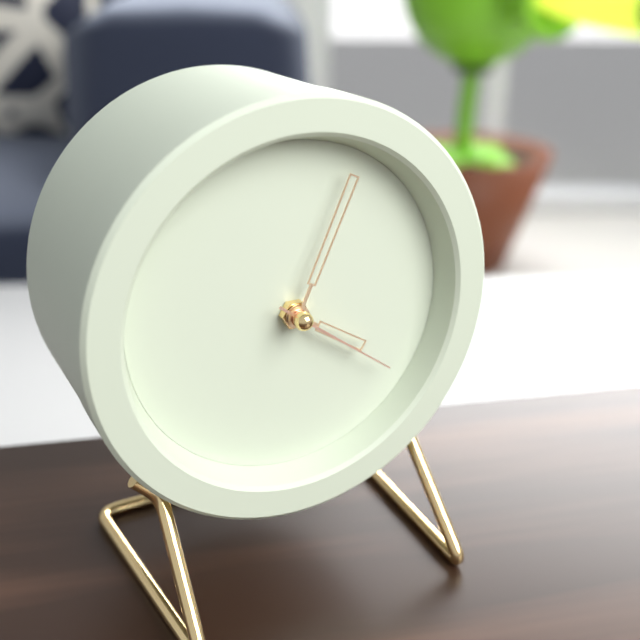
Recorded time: 4h04m21s
